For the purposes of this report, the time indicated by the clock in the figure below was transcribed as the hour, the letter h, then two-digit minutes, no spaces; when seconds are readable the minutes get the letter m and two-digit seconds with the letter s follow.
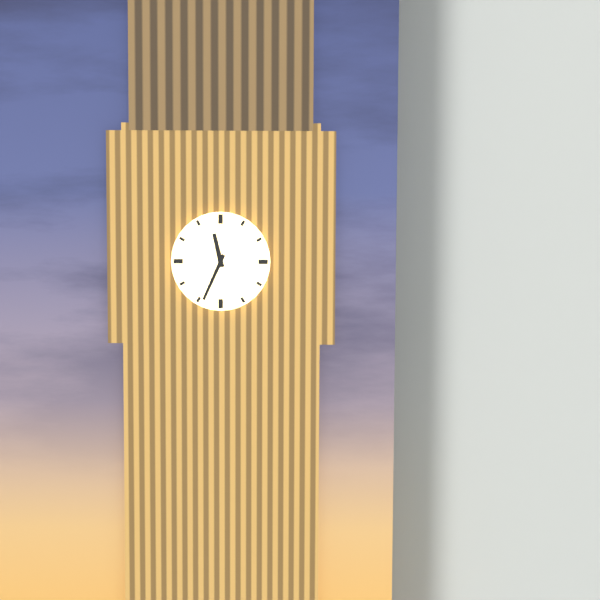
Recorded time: 11h34
